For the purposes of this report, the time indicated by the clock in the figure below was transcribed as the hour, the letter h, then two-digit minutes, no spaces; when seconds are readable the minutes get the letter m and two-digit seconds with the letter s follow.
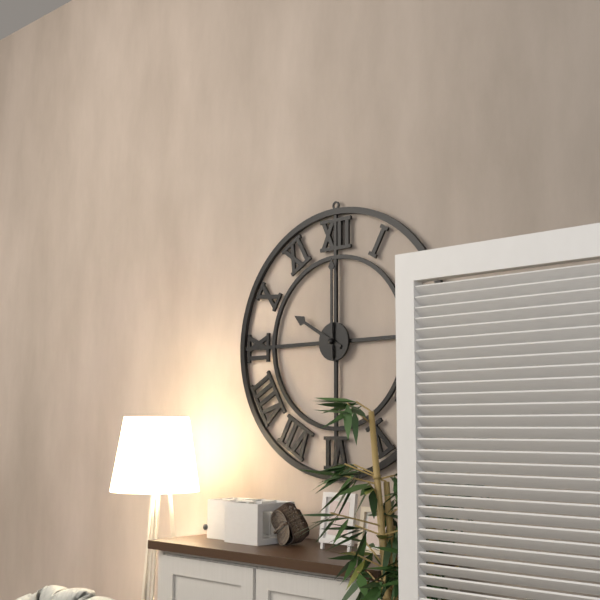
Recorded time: 10h00
